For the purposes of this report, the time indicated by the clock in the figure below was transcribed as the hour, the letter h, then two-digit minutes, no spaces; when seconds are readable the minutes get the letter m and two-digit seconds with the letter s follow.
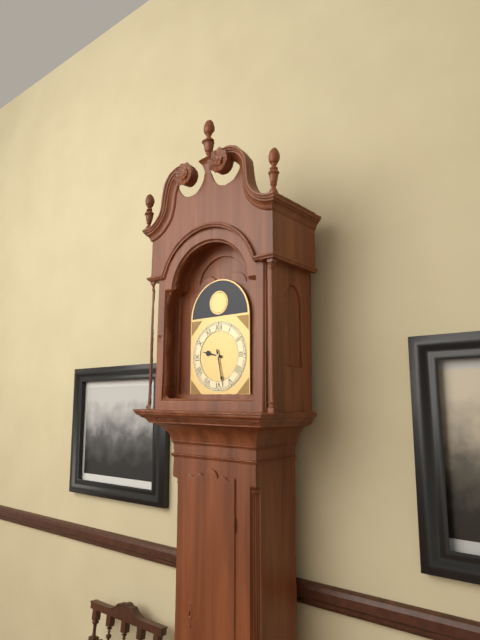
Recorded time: 9h28
